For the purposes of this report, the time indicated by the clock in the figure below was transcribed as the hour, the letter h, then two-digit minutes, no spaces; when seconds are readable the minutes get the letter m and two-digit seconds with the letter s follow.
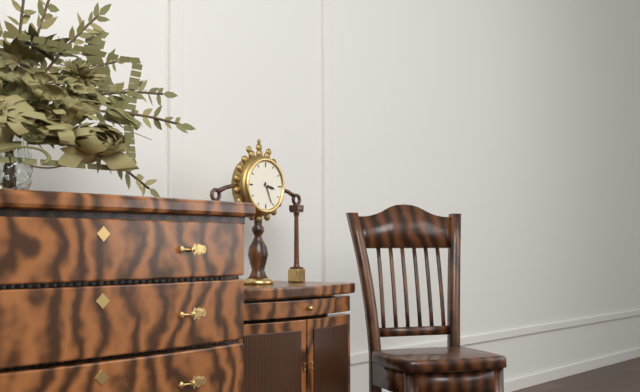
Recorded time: 3h26
